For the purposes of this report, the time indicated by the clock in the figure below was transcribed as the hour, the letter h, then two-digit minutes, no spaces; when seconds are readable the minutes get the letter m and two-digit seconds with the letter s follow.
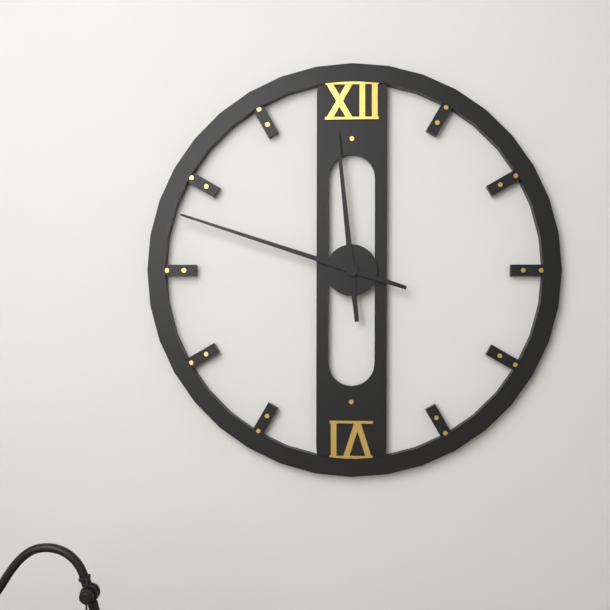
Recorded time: 11h48
